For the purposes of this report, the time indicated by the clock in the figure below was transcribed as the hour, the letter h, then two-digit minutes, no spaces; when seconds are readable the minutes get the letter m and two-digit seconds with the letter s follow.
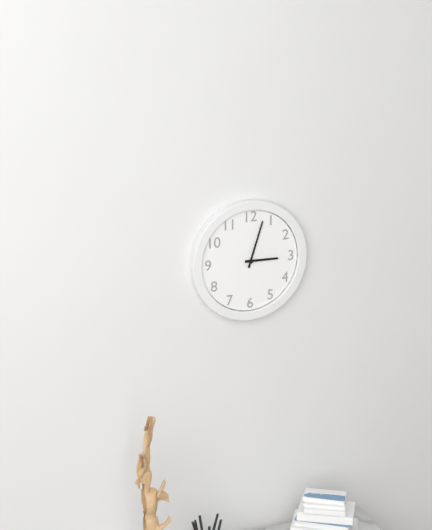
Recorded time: 3h03
